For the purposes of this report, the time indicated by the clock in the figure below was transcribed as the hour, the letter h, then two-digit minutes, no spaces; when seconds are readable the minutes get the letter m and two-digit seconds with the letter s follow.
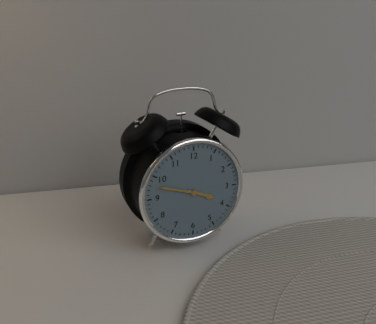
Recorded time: 3h48
